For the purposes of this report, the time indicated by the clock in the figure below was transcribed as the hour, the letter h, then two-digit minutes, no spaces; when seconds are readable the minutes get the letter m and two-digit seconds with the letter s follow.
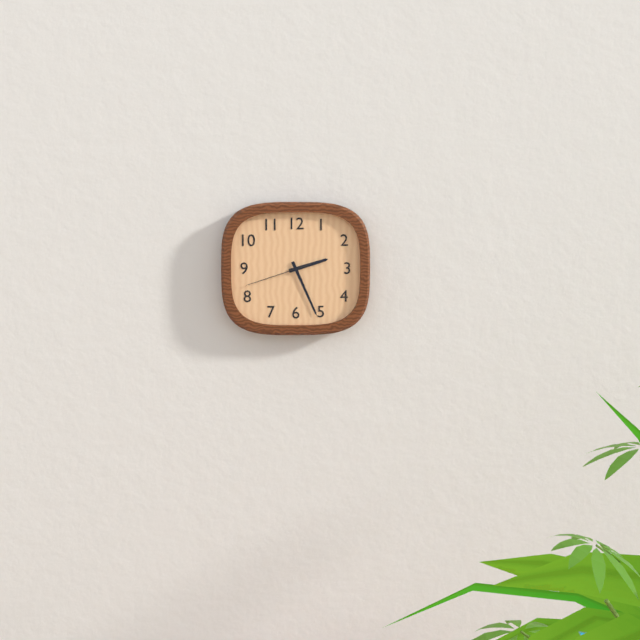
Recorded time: 2h26m42s
